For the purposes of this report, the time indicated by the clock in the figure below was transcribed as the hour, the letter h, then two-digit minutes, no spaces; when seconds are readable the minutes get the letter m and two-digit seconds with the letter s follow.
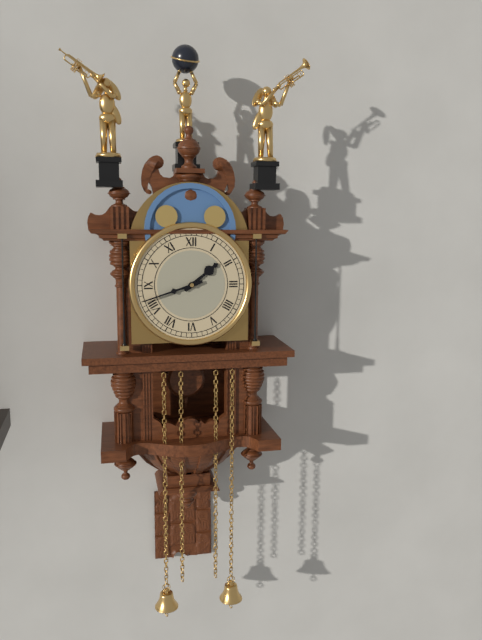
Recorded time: 1h42
